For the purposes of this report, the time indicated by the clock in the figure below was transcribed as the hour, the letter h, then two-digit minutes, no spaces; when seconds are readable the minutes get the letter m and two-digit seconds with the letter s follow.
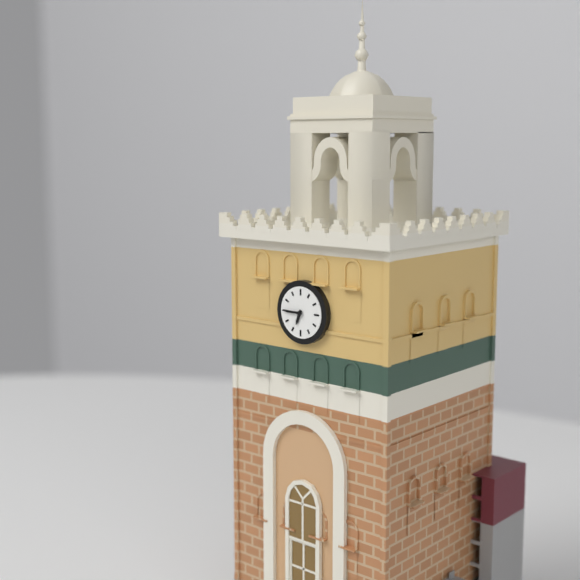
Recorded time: 6h45
